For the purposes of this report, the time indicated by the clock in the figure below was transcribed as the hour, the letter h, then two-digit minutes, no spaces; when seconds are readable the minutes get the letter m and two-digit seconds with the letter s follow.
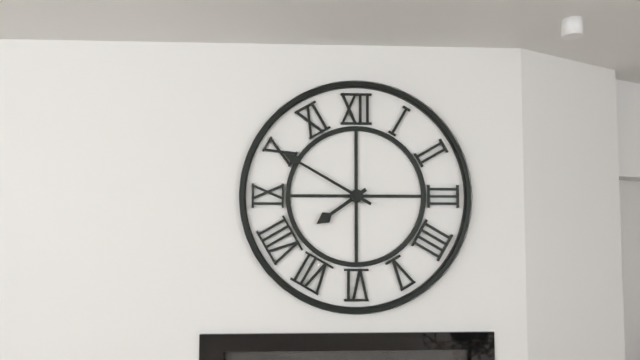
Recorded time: 7h50
